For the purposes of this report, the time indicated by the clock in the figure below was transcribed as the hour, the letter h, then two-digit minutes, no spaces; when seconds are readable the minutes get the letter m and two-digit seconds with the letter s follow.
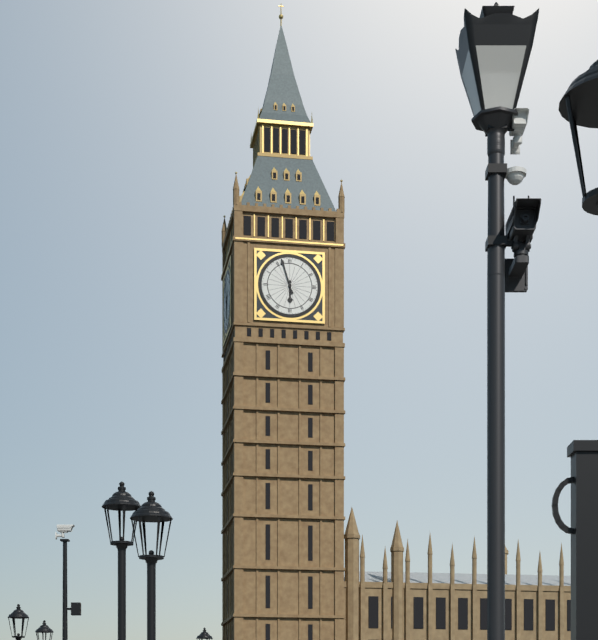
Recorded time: 5h57
